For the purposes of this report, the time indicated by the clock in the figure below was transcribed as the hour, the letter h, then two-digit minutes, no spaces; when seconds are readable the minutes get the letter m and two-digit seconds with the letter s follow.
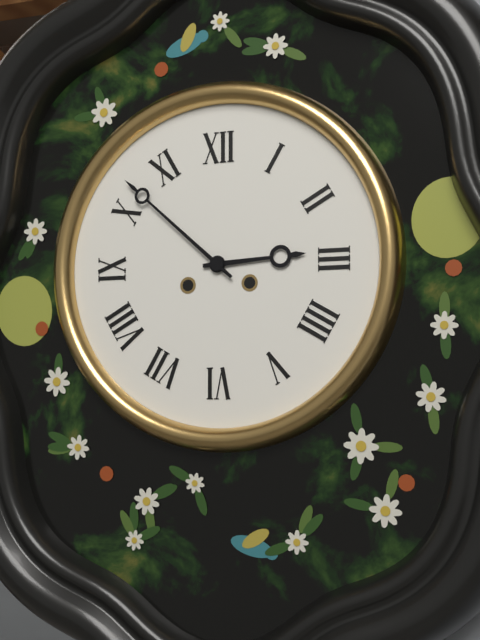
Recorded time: 2h52
